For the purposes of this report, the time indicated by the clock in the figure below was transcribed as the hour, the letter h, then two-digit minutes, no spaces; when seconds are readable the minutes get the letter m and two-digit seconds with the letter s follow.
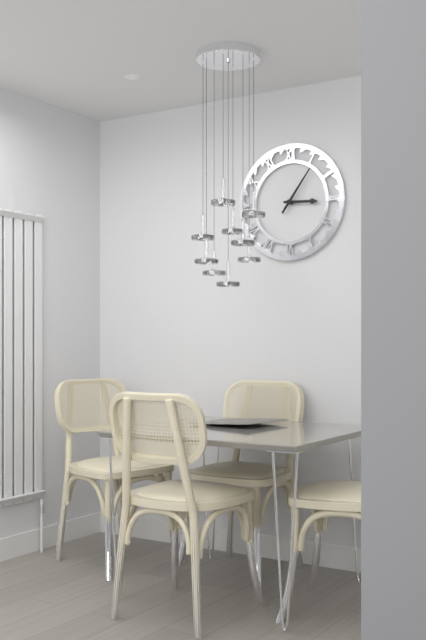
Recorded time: 3h06
